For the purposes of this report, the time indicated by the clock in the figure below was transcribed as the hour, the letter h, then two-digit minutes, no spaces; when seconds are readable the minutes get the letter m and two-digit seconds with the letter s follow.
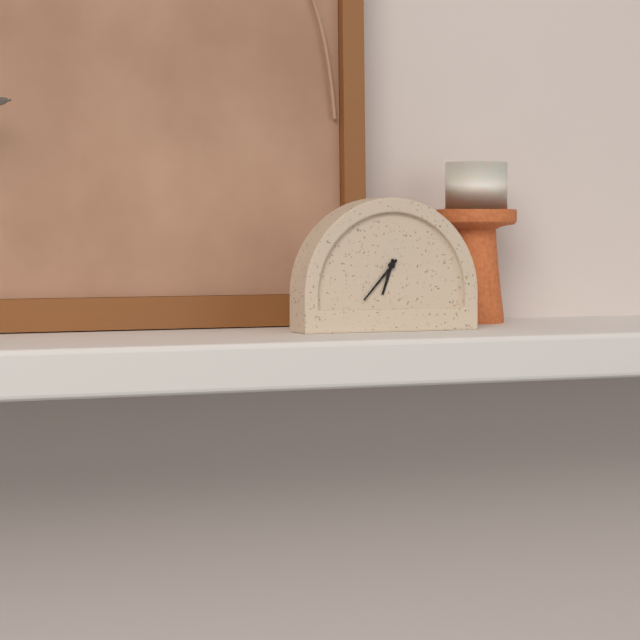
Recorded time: 6h37
